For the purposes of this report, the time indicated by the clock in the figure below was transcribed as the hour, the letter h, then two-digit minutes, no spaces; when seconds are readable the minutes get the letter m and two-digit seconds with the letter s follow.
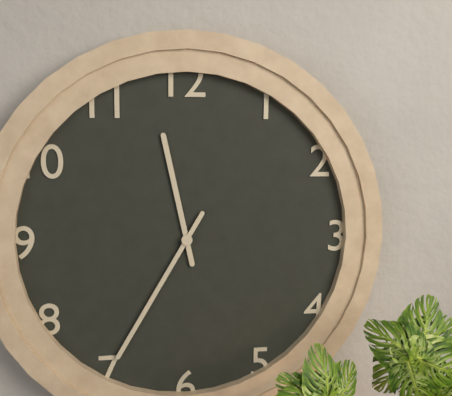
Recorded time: 11h35
